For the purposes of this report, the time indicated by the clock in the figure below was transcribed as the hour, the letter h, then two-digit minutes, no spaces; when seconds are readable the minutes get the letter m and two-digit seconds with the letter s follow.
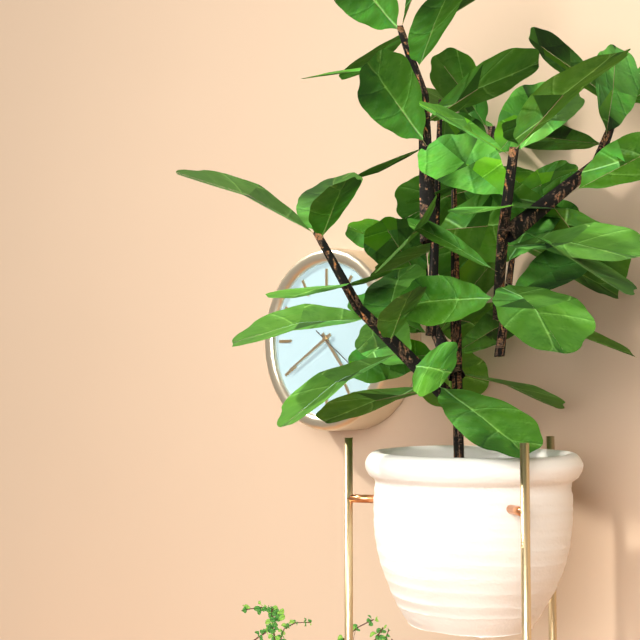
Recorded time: 4h40
